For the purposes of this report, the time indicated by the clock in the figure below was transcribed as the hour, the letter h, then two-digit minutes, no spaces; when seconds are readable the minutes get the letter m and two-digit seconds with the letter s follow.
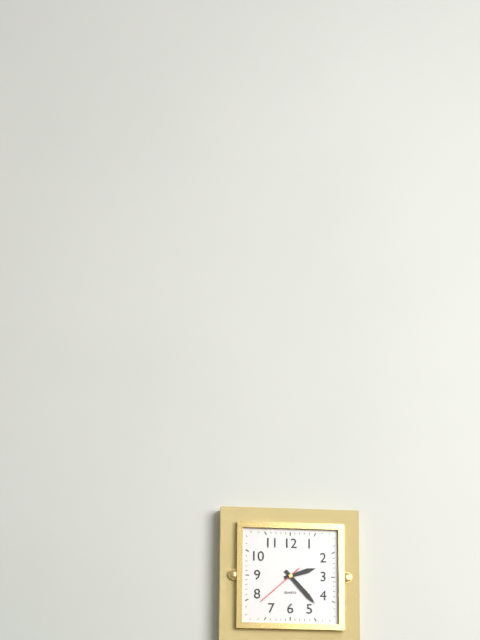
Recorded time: 2h23
